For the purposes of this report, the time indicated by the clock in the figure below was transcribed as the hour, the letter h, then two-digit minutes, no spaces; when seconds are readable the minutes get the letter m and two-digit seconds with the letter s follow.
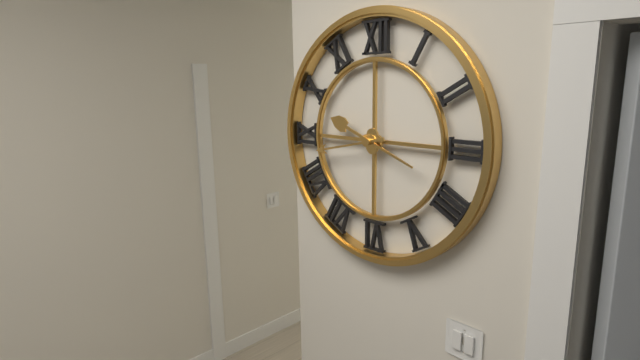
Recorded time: 9h43
